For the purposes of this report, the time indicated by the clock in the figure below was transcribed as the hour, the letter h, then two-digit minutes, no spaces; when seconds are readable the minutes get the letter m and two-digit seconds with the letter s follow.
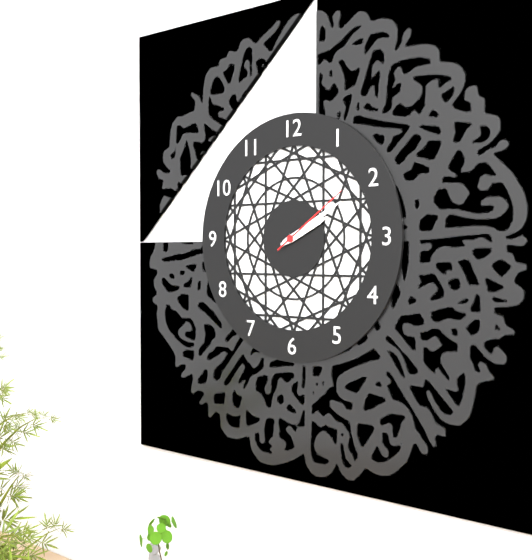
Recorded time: 2h10m09s
